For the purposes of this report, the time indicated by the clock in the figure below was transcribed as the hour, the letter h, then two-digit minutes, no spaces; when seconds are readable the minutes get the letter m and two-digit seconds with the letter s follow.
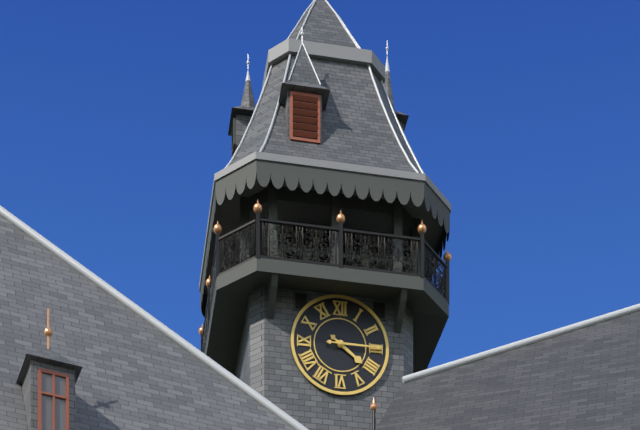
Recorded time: 4h15
